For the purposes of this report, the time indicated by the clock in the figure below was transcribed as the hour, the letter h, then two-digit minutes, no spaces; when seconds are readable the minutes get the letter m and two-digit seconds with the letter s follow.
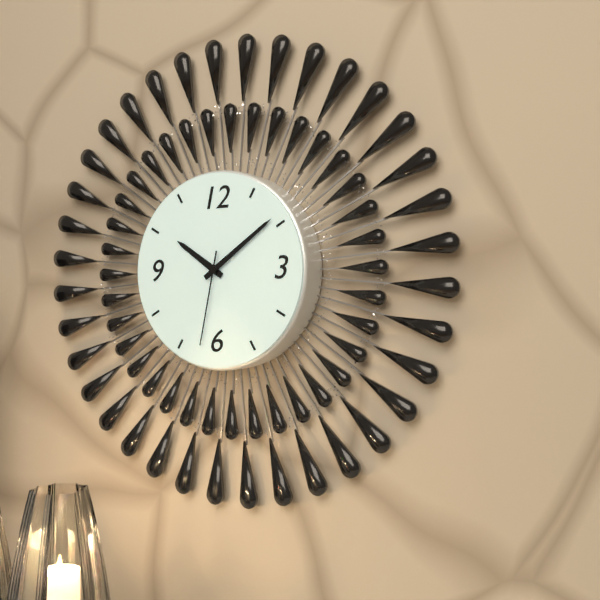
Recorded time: 10h09m32s
